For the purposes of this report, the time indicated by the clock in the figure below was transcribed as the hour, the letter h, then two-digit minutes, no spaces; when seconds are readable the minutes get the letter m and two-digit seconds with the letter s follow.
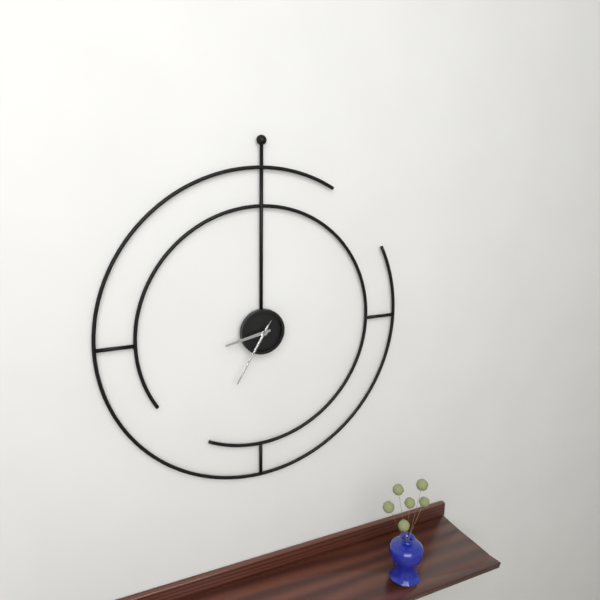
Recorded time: 8h35m35s
